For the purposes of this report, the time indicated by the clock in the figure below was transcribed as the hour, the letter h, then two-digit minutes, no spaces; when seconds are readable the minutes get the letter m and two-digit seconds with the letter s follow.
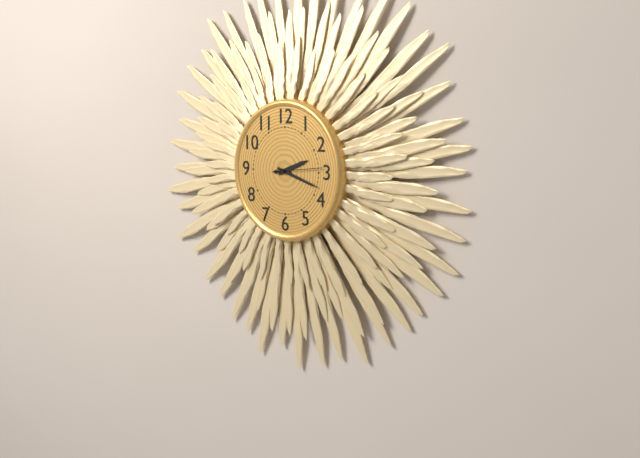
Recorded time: 2h18
